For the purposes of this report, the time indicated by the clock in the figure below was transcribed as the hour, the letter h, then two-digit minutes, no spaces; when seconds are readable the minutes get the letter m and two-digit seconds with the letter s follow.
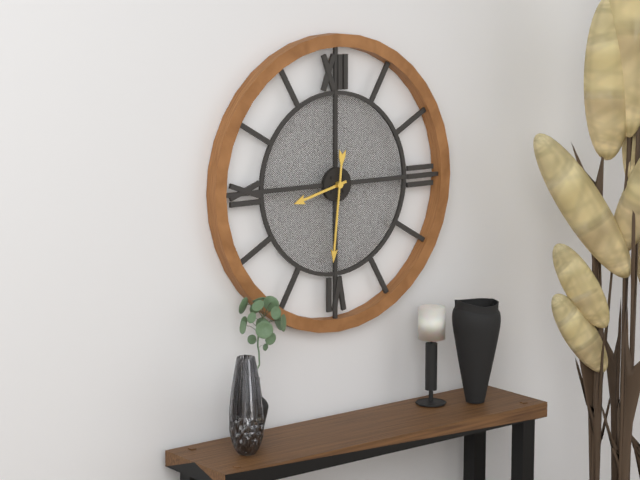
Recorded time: 8h31
